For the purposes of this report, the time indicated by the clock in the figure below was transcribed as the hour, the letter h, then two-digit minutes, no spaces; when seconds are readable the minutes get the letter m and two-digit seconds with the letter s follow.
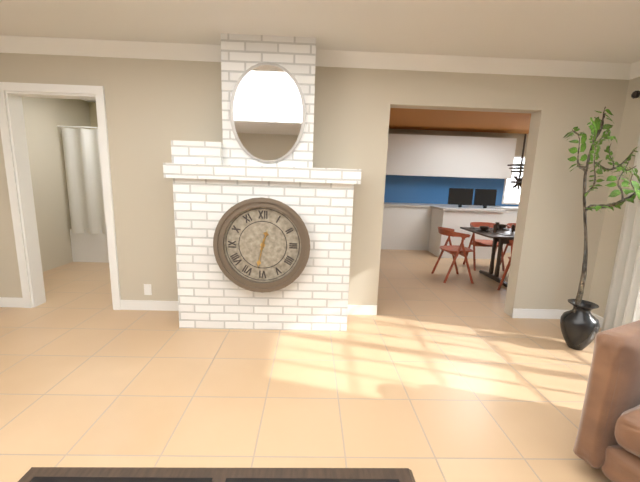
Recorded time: 12h32
